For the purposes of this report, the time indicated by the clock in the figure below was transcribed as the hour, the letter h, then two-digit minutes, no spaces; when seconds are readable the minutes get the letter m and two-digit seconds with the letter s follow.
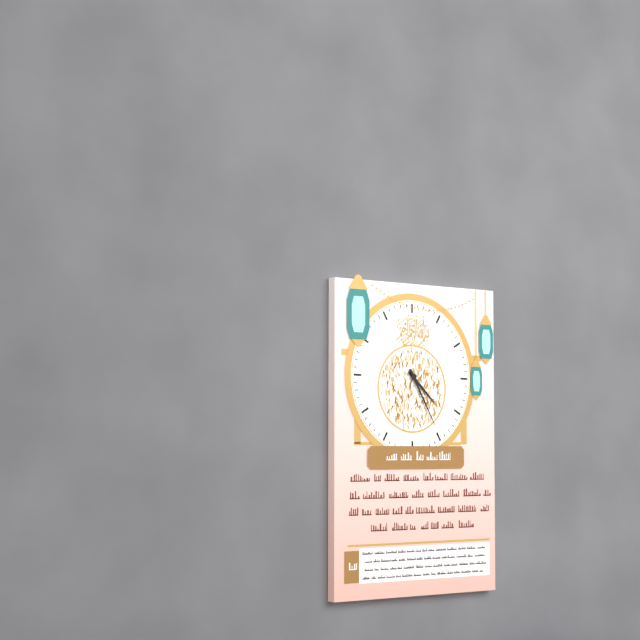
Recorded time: 4h25
